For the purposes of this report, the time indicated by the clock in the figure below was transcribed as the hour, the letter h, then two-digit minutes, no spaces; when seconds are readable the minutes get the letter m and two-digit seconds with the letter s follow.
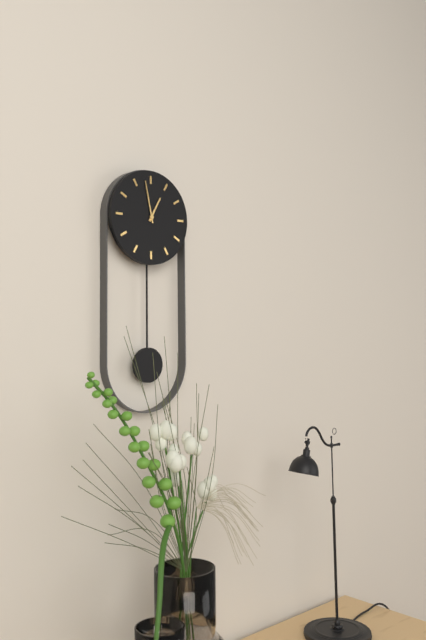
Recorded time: 12h58
